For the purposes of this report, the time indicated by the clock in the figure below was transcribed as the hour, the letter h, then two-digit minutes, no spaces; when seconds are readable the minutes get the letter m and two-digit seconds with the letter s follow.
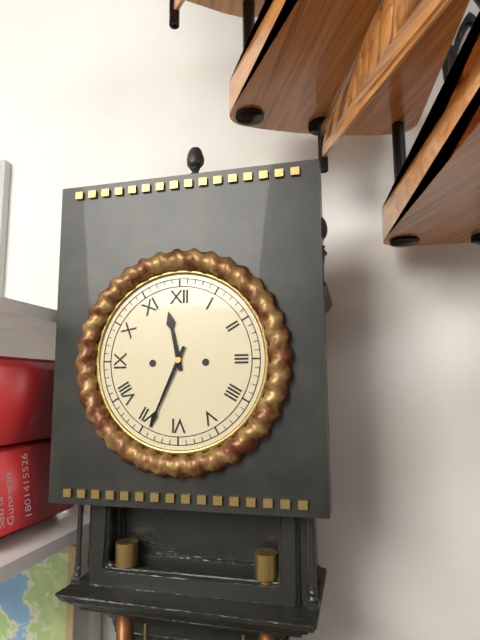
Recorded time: 11h34
